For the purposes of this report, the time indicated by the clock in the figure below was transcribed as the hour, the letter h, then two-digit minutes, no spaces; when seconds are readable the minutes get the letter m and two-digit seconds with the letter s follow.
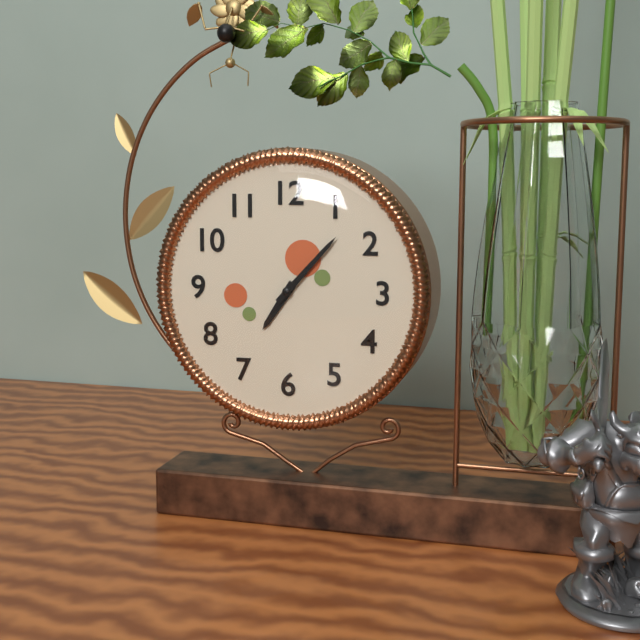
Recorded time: 7h07
